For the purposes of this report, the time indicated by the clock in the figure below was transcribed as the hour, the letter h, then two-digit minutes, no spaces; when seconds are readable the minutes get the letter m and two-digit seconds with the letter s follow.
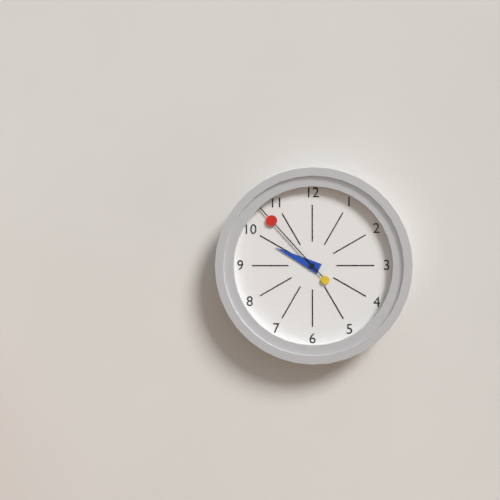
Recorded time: 9h53
